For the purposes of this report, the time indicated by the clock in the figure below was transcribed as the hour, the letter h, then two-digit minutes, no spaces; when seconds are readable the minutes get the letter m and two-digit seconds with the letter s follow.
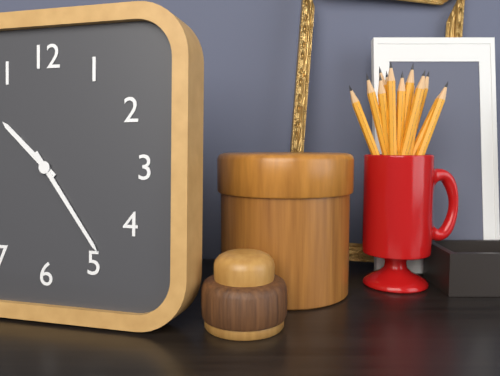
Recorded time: 10h24
